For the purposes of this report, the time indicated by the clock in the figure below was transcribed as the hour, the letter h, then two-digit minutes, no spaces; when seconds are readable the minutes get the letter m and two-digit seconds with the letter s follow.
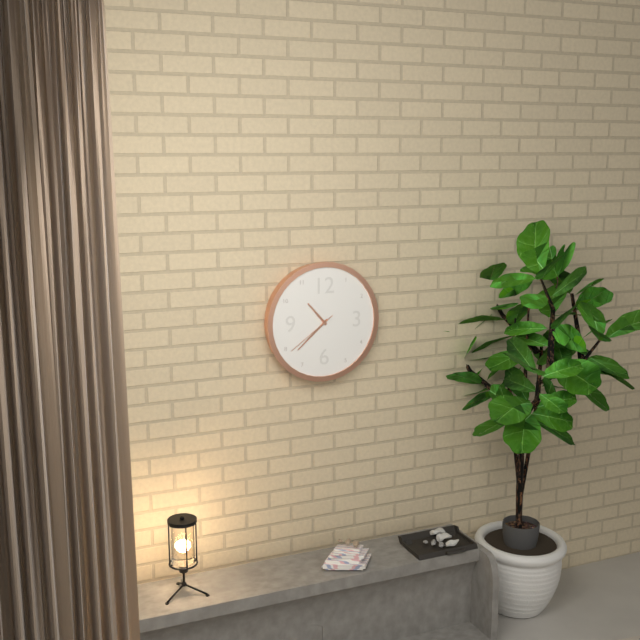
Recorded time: 10h38m39s
